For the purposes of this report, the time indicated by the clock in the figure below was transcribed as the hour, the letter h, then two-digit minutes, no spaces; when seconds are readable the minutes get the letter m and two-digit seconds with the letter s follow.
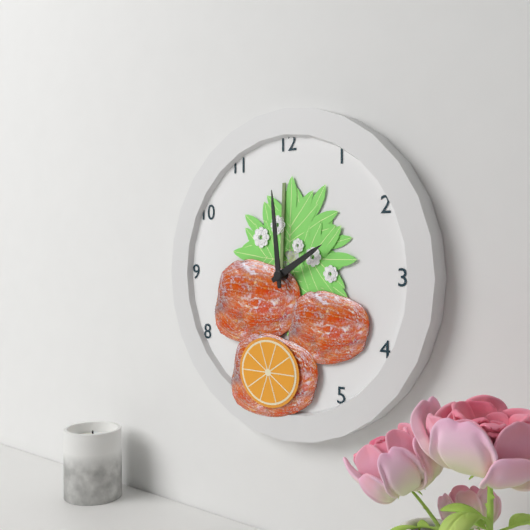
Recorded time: 1h59
